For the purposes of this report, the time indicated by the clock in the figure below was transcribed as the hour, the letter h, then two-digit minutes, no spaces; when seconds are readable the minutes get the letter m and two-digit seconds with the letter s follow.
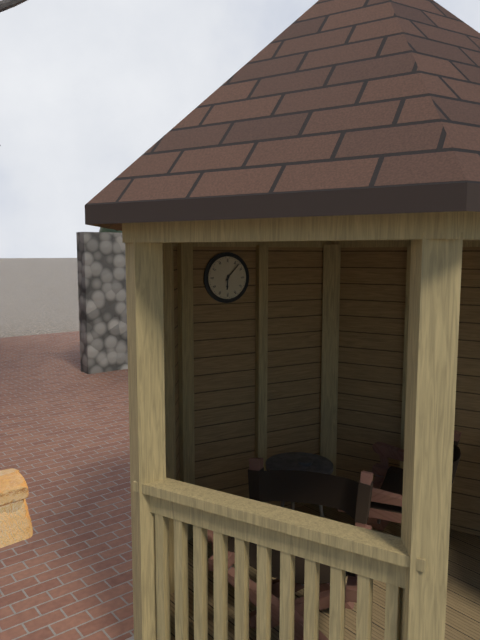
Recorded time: 6h07
